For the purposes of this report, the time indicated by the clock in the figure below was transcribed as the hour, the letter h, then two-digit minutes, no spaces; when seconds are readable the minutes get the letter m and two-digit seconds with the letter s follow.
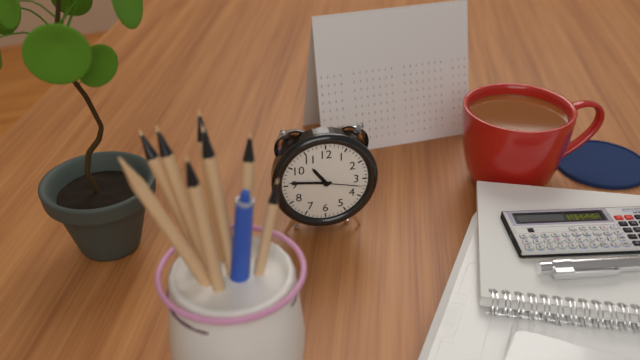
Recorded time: 10h46
